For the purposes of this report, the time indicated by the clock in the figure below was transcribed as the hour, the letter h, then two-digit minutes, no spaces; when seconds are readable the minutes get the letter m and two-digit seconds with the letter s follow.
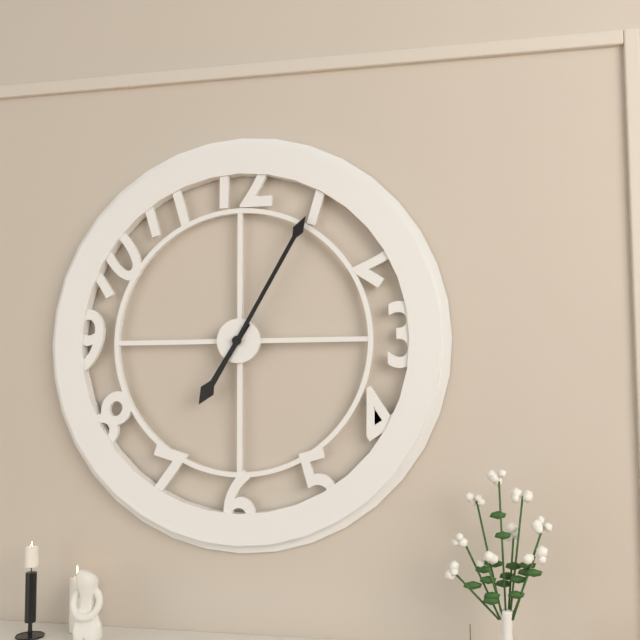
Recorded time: 7h05
